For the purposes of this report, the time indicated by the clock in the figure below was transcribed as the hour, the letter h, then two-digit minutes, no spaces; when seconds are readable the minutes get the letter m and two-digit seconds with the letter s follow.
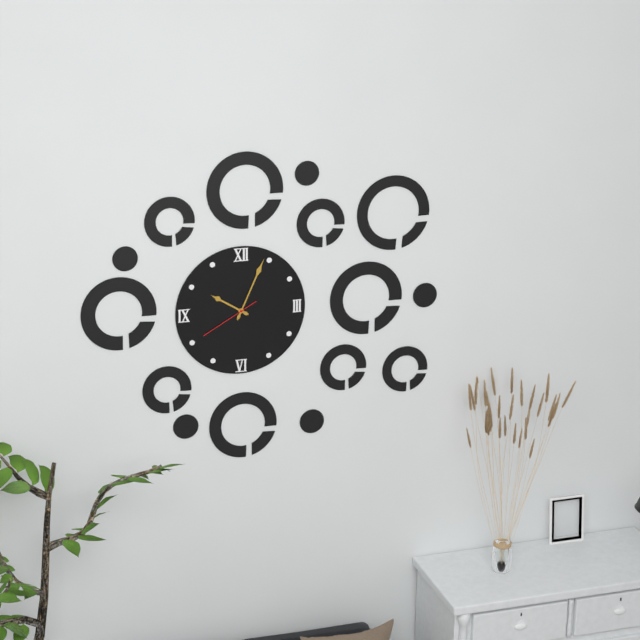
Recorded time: 10h04m40s
